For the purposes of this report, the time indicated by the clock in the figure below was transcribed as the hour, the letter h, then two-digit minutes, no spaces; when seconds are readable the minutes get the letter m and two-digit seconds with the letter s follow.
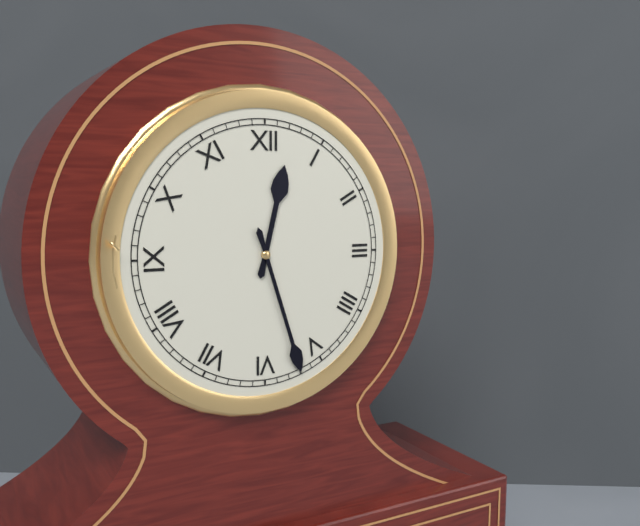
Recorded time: 12h27
